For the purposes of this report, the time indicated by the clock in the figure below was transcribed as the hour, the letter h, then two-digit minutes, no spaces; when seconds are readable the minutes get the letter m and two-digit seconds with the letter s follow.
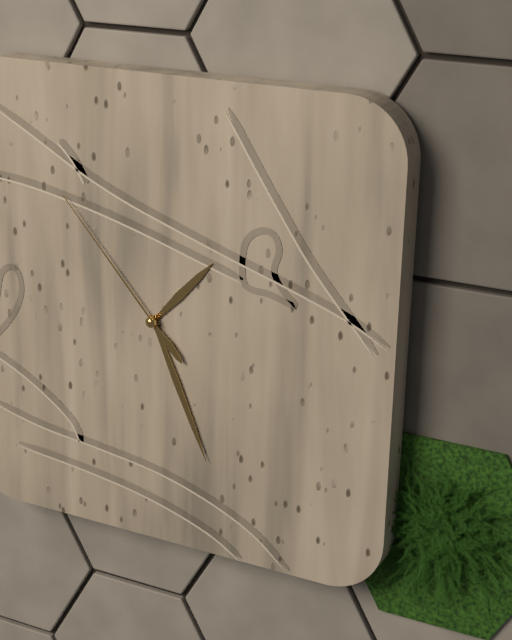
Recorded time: 1h26m53s
